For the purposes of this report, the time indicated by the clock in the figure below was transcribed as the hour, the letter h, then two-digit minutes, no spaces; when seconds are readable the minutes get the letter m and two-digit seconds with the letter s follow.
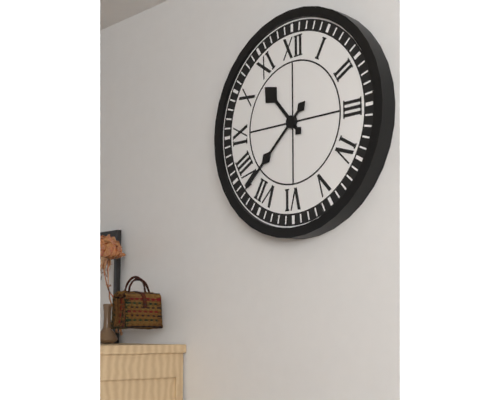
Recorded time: 10h38
